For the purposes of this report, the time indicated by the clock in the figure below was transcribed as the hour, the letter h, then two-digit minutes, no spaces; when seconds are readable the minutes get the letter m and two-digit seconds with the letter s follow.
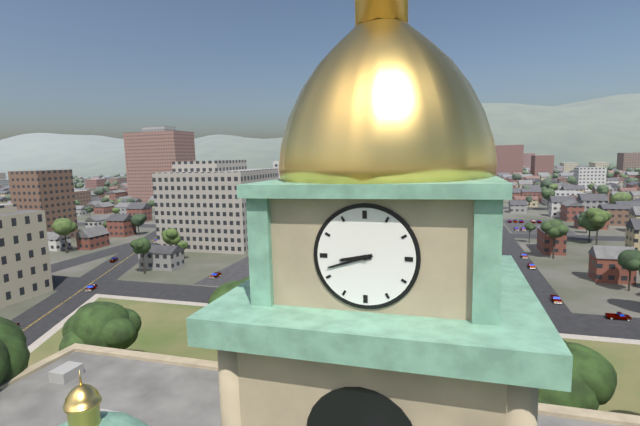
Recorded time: 8h42
